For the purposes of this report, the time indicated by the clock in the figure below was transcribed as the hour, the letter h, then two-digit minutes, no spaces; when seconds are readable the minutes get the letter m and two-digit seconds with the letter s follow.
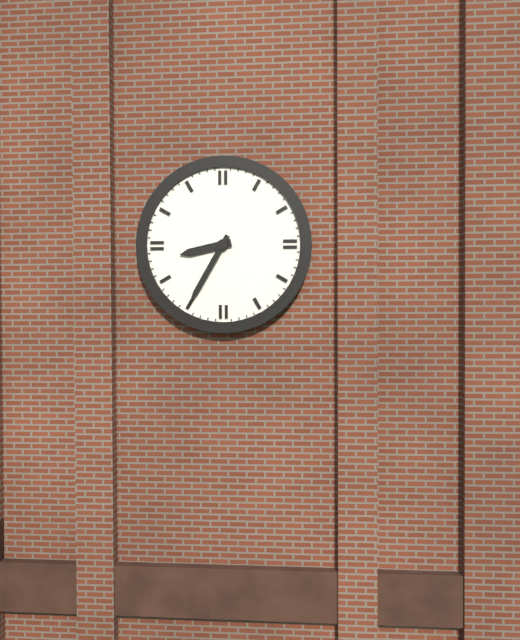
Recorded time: 8h35
